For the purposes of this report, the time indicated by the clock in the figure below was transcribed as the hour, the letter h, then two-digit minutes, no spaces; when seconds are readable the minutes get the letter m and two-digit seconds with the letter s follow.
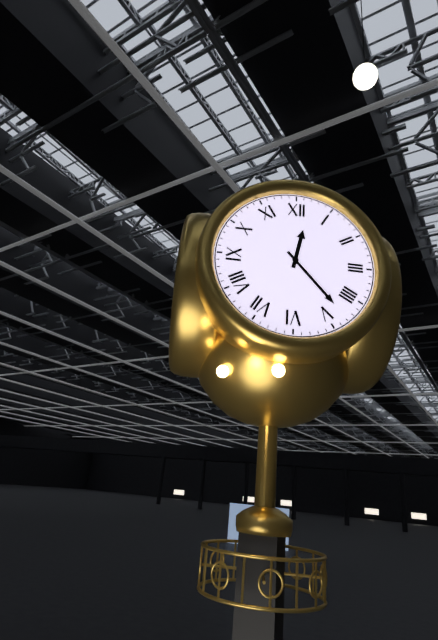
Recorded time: 12h23
